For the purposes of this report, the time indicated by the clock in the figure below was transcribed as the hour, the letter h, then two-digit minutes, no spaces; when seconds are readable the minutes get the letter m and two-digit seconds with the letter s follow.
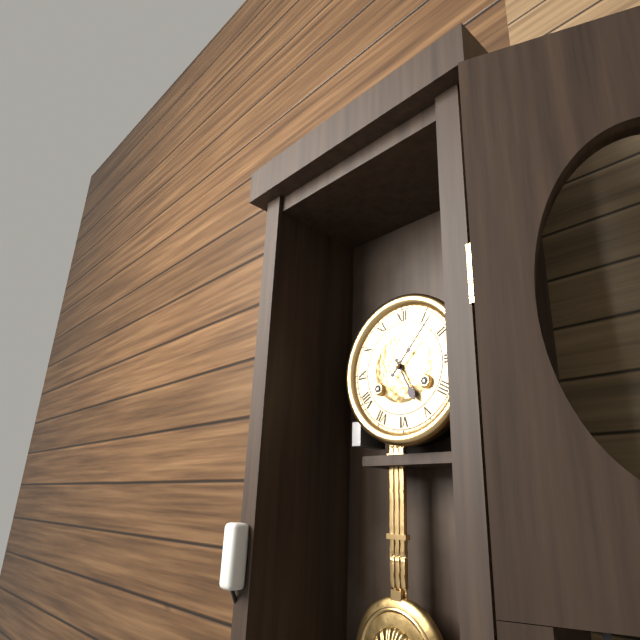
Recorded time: 5h07
